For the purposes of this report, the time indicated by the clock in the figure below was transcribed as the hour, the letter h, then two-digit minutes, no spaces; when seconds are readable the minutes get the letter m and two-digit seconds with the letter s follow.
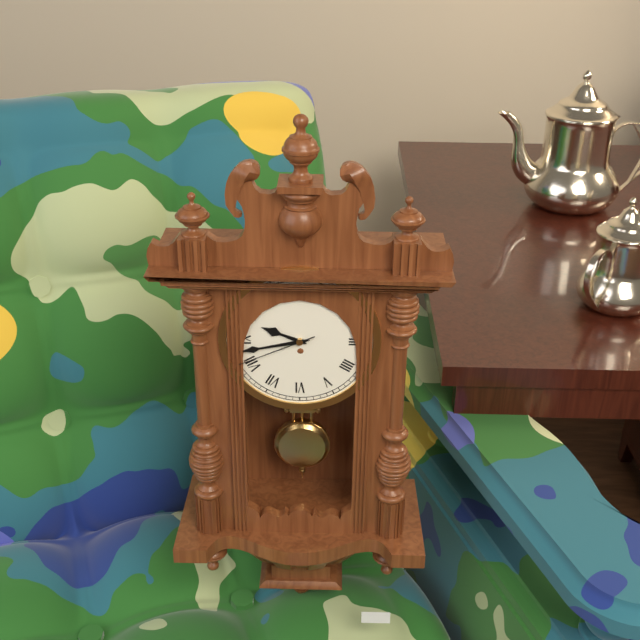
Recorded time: 9h43m41s
